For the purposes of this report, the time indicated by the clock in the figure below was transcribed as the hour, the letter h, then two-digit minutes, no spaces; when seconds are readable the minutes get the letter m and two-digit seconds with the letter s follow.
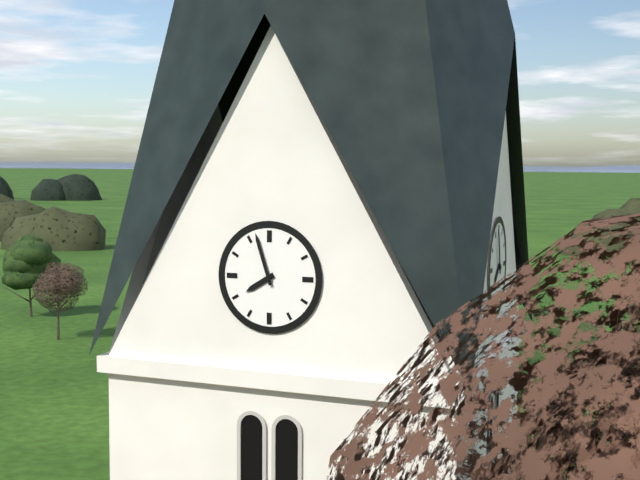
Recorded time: 7h57
